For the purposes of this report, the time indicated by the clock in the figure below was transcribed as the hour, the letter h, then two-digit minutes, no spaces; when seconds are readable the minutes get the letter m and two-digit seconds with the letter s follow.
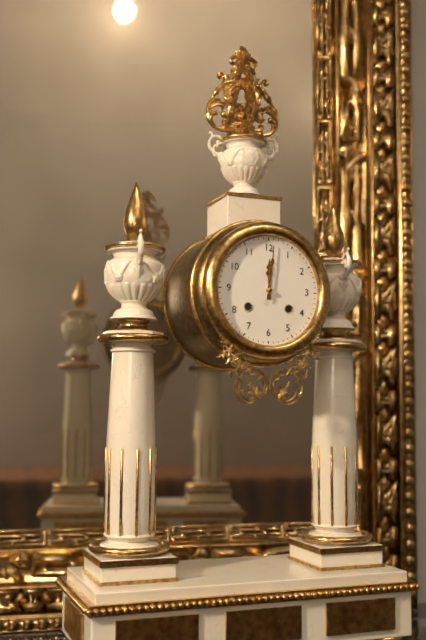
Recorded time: 12h01
